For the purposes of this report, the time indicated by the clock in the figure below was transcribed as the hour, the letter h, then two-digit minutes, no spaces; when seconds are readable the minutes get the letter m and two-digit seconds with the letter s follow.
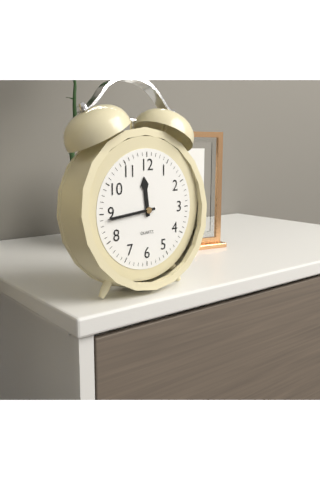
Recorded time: 11h44
